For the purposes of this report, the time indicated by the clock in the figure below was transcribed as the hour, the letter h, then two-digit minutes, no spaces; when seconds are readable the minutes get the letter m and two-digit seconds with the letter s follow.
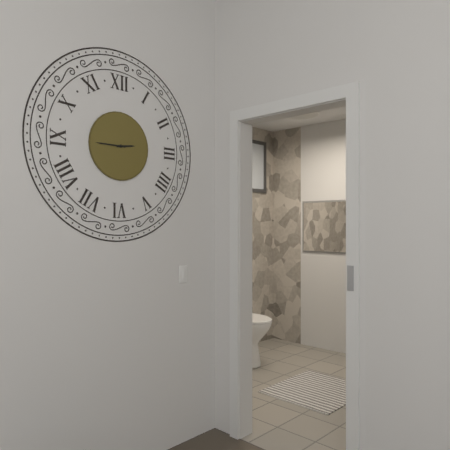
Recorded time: 2h45
